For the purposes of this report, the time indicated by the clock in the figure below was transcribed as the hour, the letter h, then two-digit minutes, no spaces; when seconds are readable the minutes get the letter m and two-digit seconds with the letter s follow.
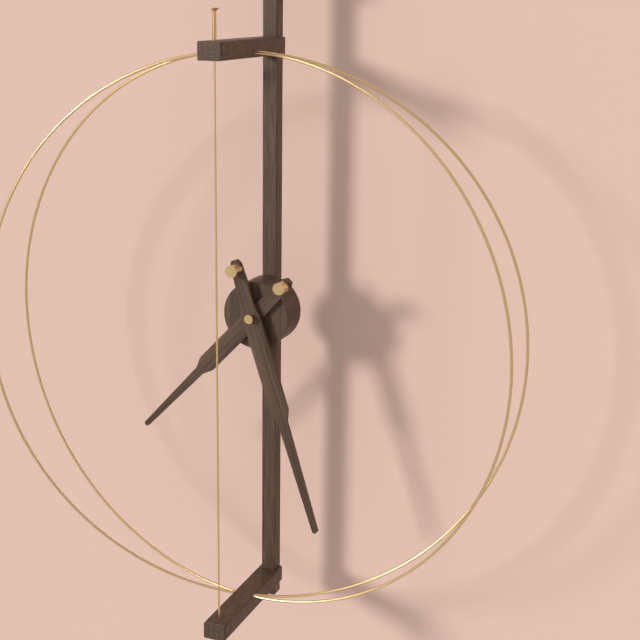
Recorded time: 7h27
